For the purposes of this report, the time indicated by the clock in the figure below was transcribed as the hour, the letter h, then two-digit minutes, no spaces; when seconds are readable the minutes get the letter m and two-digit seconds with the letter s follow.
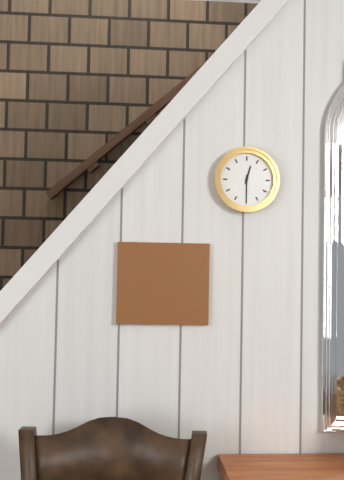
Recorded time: 12h30
